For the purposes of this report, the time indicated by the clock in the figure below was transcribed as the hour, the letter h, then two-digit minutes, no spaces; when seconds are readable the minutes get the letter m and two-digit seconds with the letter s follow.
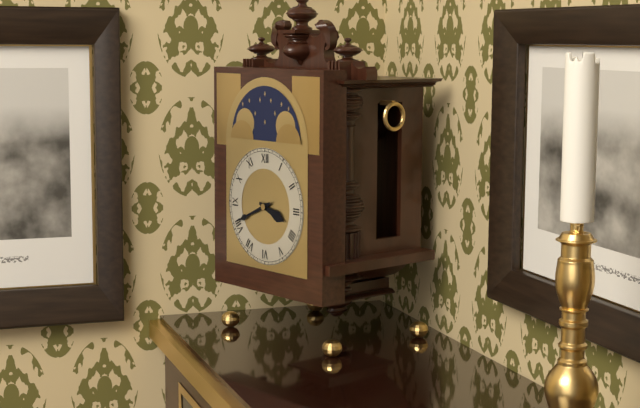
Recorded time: 3h41
